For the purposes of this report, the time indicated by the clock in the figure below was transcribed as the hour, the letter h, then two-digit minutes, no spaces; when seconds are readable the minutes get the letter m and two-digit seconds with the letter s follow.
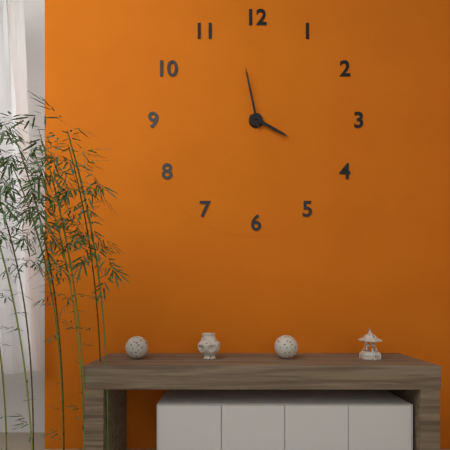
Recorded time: 3h58
